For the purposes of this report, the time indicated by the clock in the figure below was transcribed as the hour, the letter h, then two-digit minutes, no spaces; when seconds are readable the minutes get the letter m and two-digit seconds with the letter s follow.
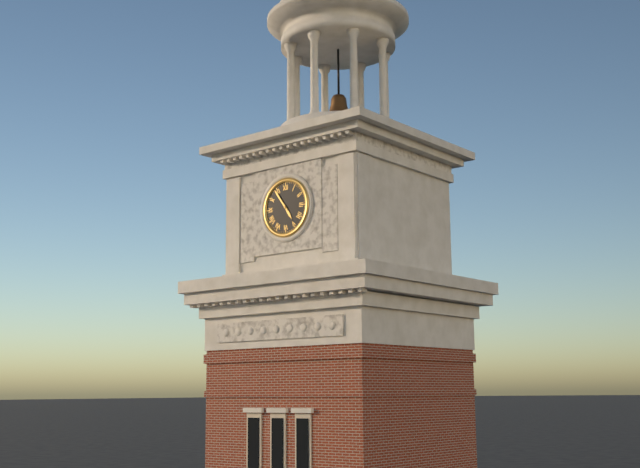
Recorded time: 4h54
